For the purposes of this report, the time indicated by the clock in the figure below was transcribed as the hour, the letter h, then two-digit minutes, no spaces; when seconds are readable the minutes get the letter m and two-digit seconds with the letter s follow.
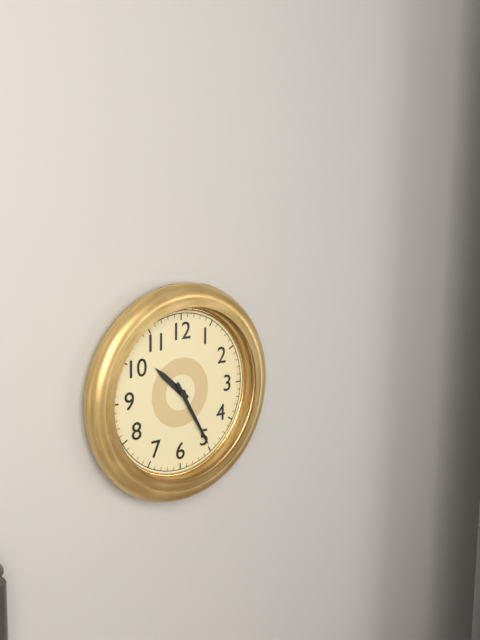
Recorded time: 10h25
